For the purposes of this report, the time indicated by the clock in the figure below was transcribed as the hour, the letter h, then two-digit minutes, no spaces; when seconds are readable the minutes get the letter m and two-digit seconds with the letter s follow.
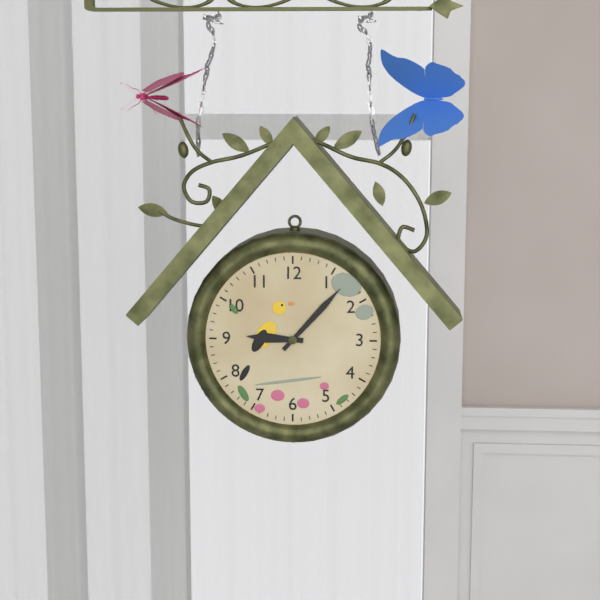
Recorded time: 9h07
